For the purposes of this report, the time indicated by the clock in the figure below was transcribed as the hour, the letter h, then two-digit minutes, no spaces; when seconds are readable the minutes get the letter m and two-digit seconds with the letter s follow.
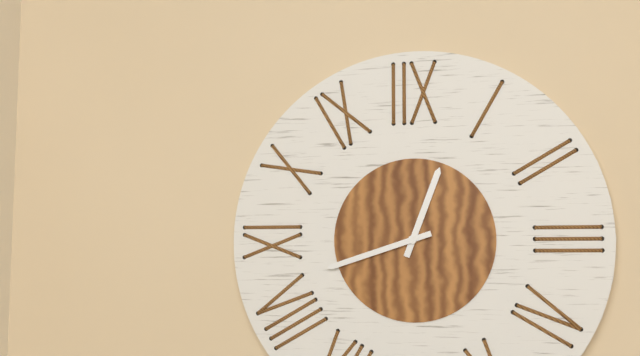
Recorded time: 12h42
